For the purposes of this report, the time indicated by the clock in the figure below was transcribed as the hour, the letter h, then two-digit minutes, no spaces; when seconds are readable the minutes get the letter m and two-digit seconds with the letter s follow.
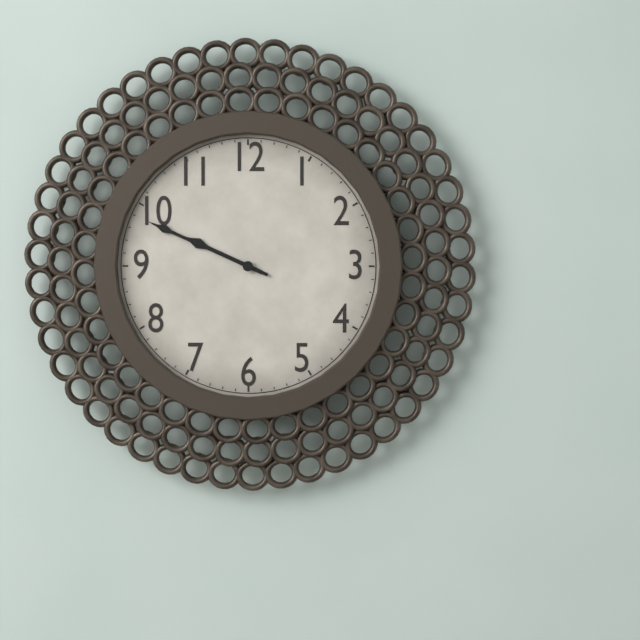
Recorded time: 9h49
